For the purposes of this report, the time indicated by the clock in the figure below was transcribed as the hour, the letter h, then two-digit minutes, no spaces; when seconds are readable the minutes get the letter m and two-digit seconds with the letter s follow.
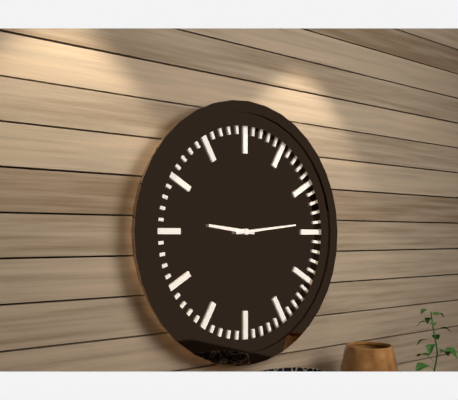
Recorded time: 9h14
